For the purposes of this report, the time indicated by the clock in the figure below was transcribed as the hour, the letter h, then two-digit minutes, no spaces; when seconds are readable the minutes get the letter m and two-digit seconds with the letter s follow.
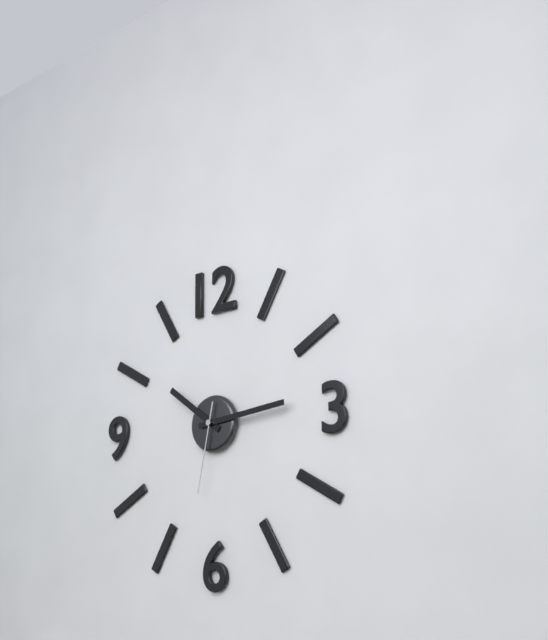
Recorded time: 10h14m32s
